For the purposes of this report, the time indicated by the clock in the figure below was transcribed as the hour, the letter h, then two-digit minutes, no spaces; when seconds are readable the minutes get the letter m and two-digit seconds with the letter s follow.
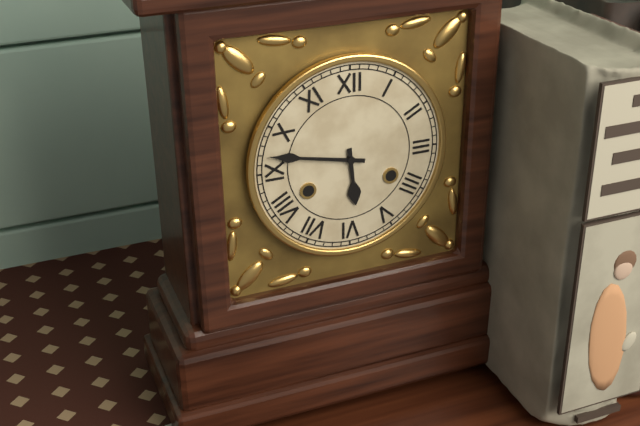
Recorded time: 5h47
